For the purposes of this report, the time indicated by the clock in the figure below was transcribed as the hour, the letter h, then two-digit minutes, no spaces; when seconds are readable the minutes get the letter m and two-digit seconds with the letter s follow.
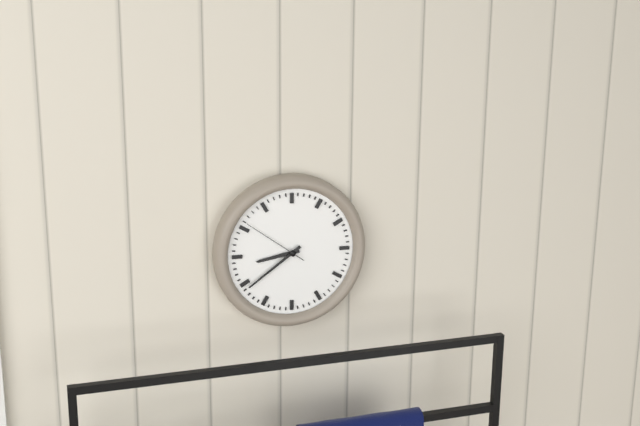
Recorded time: 8h39m51s
